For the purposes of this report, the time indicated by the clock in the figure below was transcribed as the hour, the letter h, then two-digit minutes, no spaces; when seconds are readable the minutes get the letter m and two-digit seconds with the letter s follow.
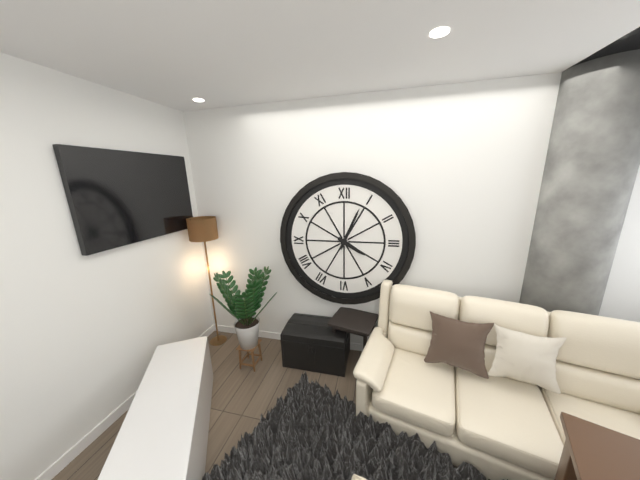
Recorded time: 4h04
